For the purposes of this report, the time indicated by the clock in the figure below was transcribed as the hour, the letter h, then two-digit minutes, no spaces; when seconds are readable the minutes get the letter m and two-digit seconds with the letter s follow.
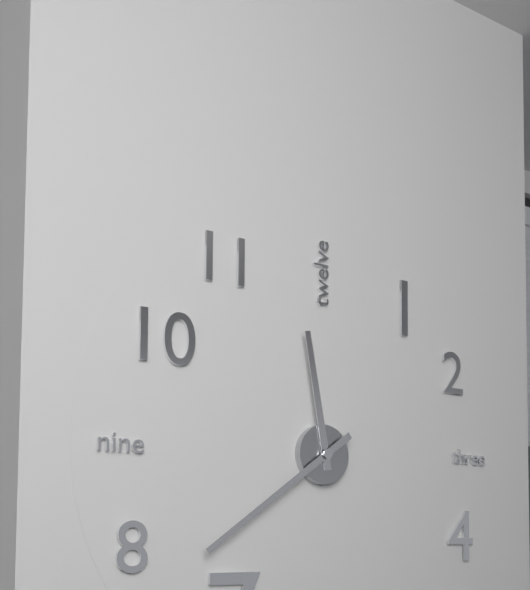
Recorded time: 11h39
